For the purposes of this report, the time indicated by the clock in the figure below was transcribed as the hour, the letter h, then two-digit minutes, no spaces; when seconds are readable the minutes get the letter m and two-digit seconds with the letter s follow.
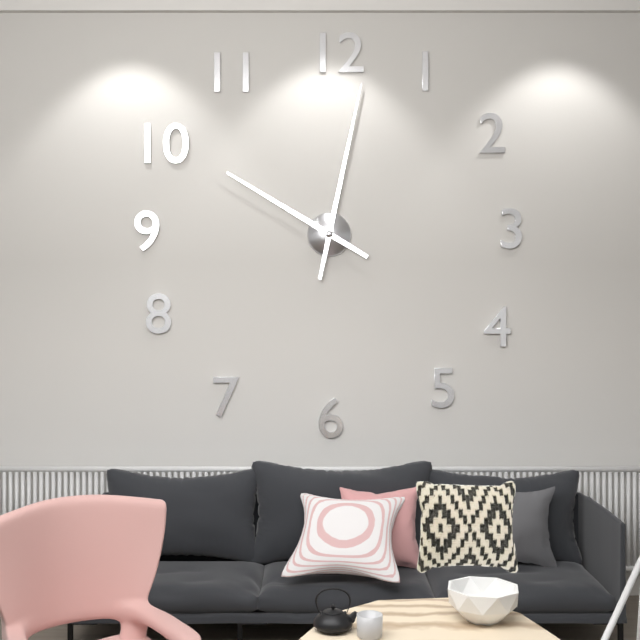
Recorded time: 10h02
